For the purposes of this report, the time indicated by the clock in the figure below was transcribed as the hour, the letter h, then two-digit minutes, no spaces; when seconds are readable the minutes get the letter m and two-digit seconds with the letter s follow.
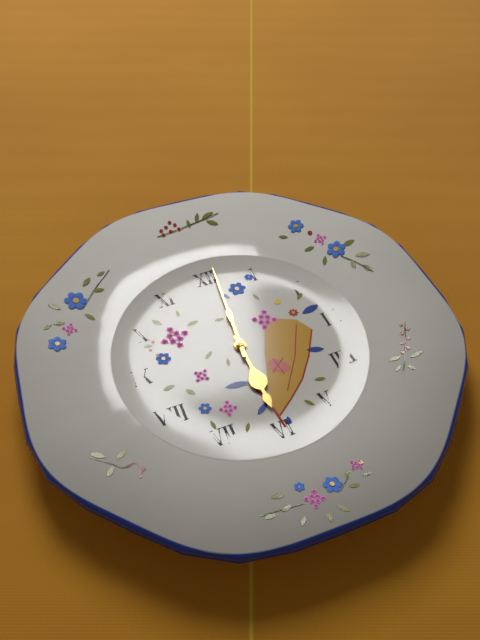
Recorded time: 6h01
